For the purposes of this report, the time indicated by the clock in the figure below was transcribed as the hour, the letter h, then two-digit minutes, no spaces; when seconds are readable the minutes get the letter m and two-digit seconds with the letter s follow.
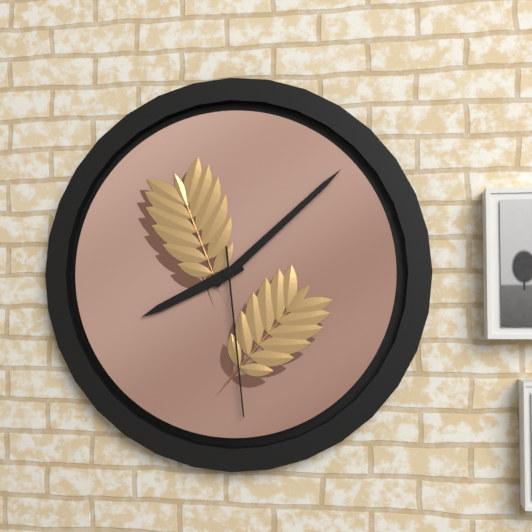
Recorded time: 8h08m29s
